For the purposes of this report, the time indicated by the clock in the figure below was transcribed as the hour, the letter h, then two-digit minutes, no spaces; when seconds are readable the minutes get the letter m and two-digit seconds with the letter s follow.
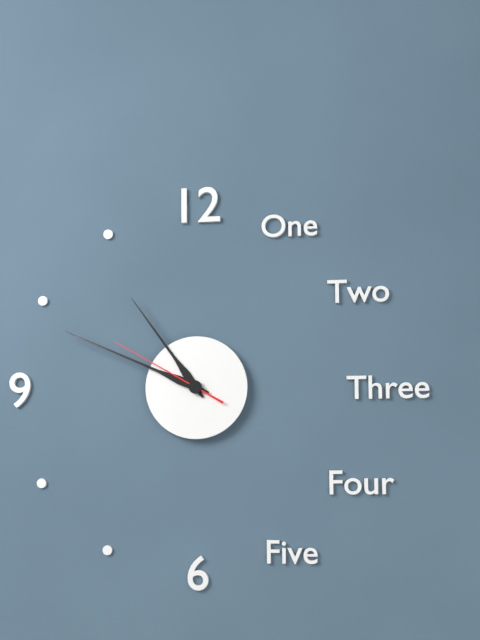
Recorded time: 10h49m50s
